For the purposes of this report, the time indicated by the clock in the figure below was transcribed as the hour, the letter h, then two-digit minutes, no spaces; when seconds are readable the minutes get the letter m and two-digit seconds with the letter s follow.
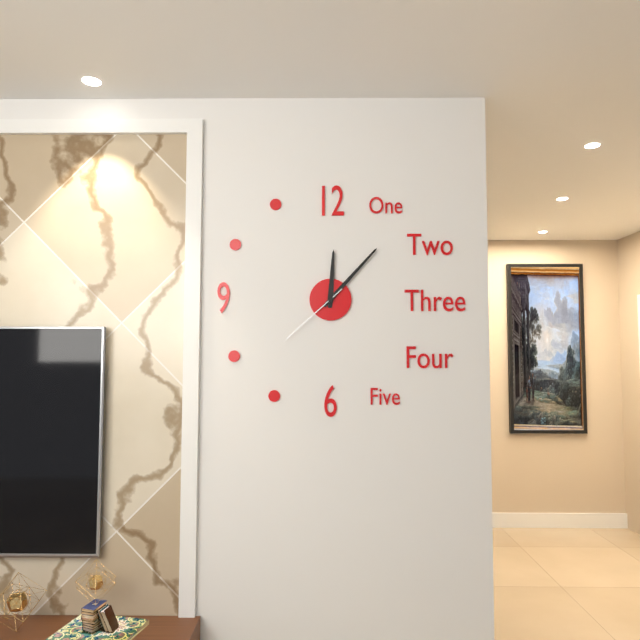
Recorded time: 12h07m38s
